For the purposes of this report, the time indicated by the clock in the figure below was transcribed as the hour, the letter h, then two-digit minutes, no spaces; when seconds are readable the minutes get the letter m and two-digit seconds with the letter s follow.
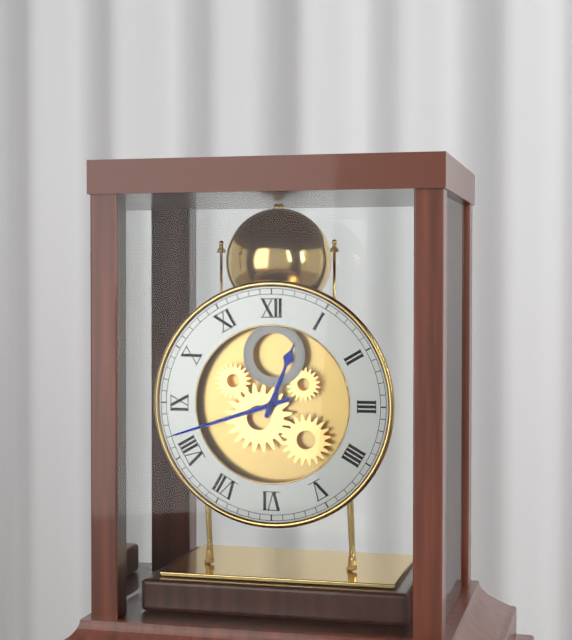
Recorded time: 12h42
